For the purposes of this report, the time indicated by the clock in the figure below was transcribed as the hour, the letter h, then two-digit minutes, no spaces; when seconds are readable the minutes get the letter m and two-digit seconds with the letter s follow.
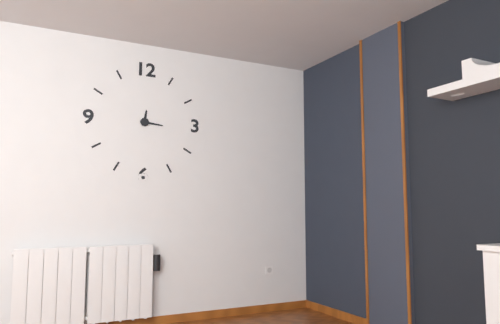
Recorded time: 12h16
